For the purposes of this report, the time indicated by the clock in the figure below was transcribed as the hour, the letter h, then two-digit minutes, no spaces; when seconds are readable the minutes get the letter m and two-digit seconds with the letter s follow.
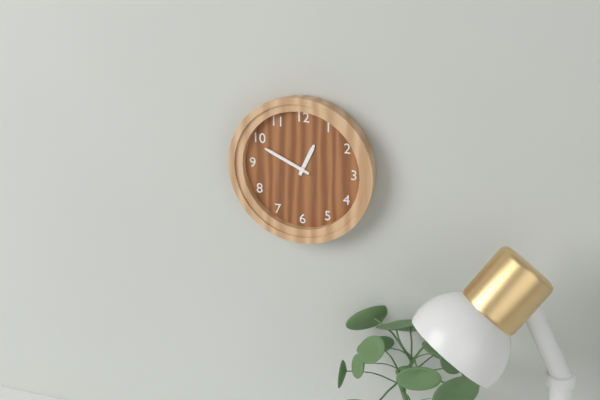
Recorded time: 12h49
